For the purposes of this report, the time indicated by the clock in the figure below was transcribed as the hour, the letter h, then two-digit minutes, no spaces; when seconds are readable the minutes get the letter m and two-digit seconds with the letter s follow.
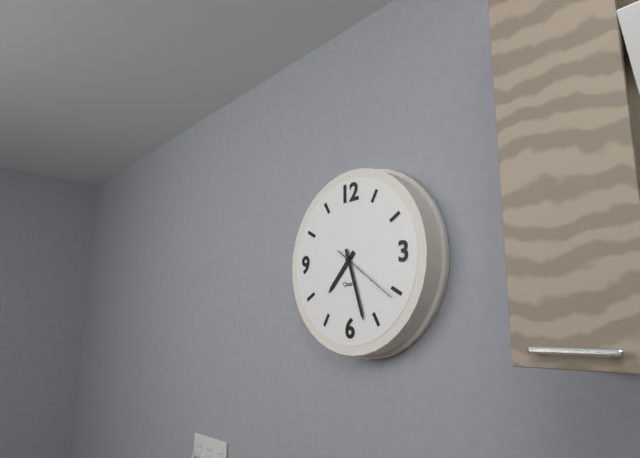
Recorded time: 7h27m21s
